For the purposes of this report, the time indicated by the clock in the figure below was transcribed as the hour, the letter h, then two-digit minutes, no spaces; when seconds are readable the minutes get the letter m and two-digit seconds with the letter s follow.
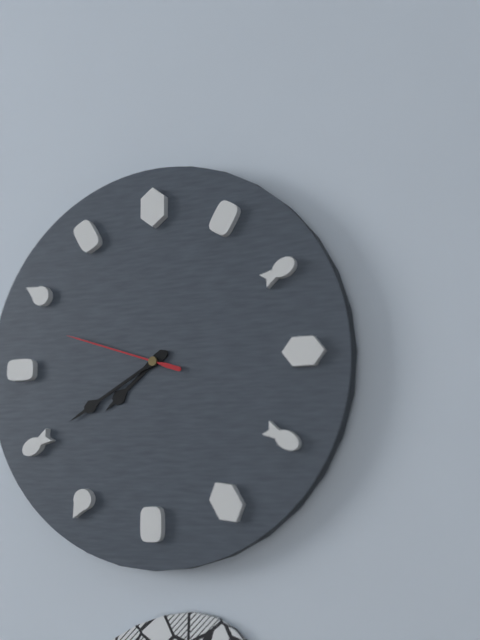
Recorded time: 7h40m48s
